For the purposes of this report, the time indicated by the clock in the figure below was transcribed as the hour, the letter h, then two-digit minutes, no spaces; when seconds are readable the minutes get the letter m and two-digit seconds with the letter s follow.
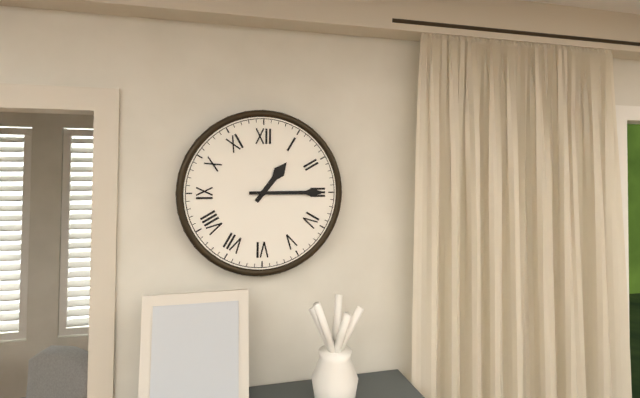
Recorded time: 1h15
